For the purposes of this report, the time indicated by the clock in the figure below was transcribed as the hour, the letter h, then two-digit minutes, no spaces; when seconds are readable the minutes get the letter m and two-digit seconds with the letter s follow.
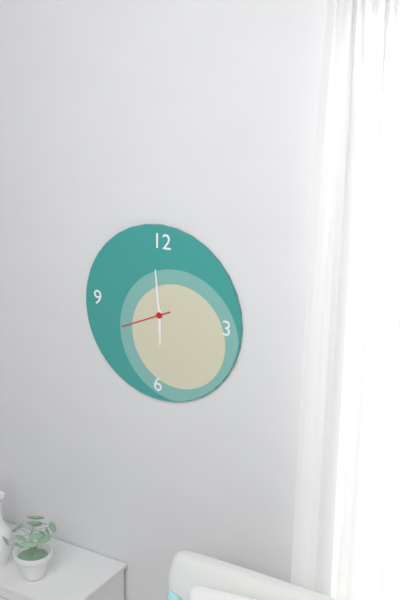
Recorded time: 5h59m41s
